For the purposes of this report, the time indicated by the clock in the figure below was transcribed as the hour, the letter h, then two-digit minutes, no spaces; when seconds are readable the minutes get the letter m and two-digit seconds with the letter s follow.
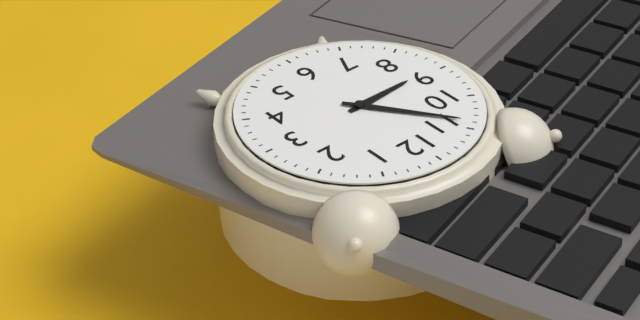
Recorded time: 8h54
